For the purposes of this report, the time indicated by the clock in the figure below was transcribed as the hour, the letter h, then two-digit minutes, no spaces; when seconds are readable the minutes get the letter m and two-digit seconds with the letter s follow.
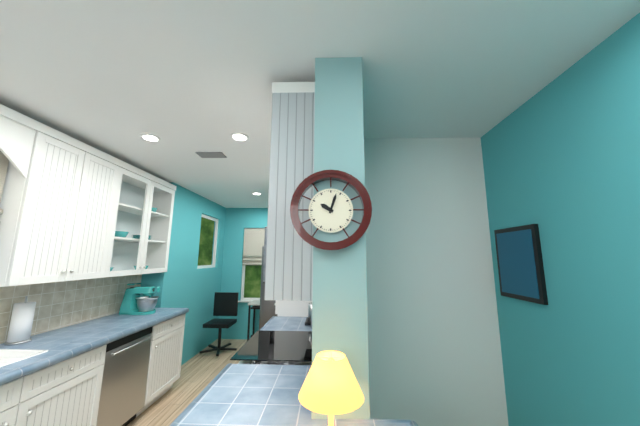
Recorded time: 10h03
